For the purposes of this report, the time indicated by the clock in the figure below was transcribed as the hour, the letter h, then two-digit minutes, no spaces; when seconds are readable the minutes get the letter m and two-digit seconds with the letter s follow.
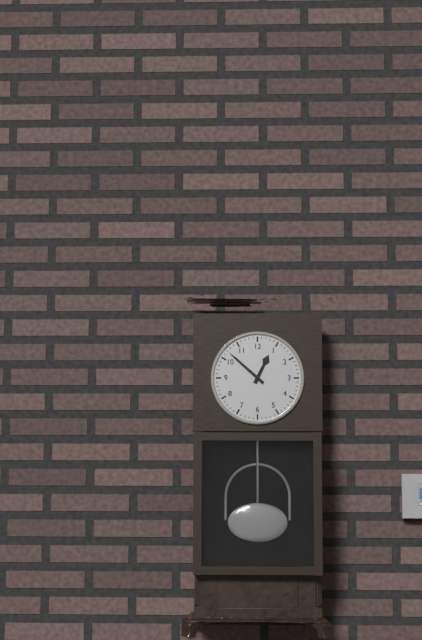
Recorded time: 12h52
